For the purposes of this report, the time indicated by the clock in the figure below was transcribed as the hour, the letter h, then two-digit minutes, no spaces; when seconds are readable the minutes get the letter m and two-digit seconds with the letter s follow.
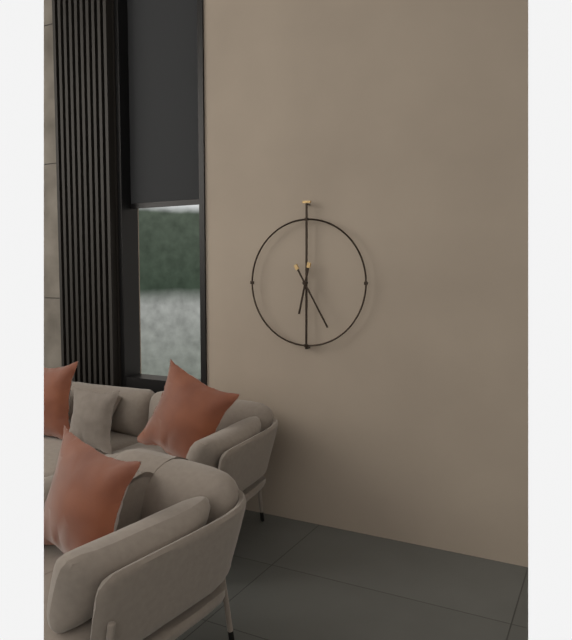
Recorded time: 6h25
